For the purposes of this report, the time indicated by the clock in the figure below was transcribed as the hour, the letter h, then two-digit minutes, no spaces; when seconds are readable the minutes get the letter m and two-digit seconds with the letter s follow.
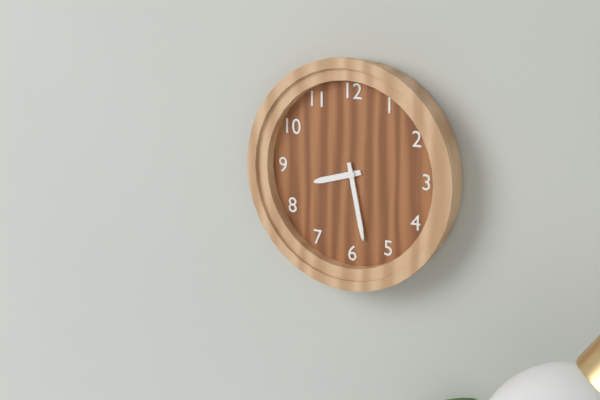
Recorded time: 8h28
